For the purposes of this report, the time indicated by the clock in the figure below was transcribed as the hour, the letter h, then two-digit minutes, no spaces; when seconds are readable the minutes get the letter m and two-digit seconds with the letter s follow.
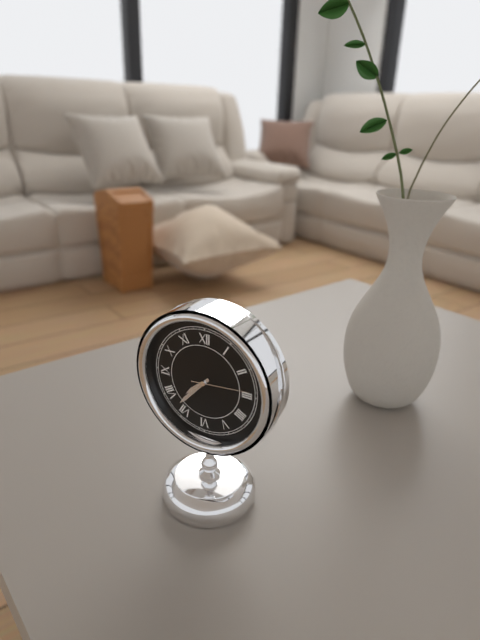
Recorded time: 7h37m14s
